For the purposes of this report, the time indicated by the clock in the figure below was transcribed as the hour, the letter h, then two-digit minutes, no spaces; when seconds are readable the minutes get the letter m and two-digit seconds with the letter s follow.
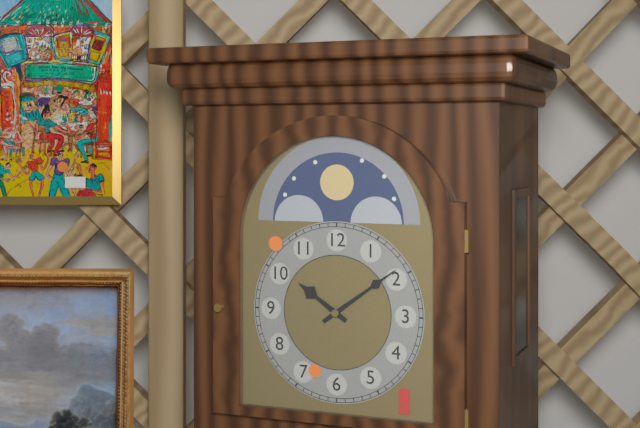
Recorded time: 10h09
